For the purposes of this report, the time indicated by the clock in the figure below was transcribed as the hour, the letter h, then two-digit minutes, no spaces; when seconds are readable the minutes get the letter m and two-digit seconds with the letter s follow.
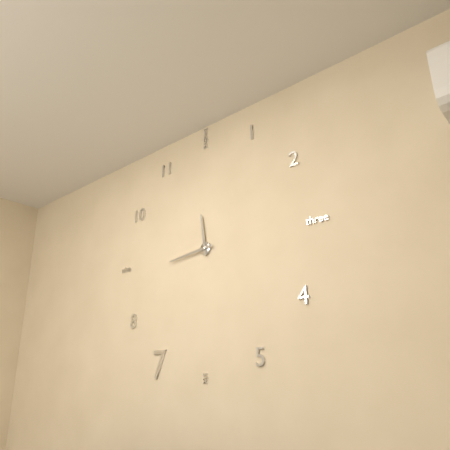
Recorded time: 11h44
